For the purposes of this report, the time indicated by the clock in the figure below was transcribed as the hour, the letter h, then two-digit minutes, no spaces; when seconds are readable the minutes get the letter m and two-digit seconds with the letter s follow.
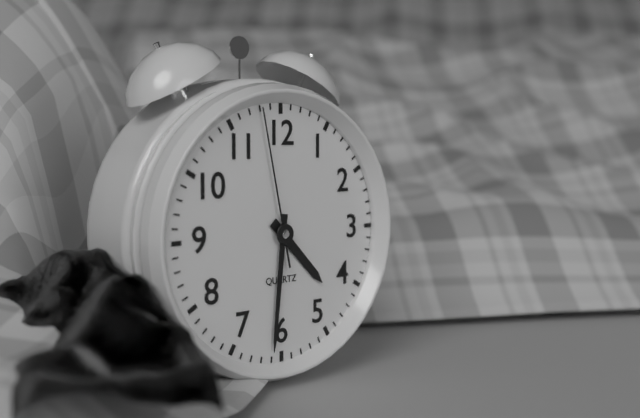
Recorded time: 4h31m58s
